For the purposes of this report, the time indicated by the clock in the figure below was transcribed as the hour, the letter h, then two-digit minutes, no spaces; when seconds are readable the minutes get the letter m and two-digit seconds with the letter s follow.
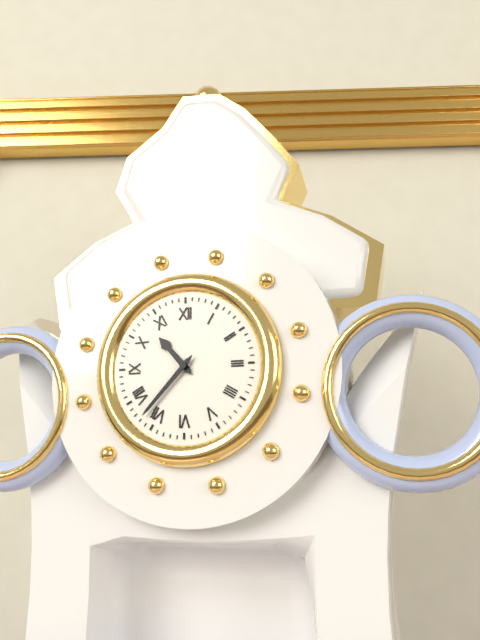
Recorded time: 10h37
